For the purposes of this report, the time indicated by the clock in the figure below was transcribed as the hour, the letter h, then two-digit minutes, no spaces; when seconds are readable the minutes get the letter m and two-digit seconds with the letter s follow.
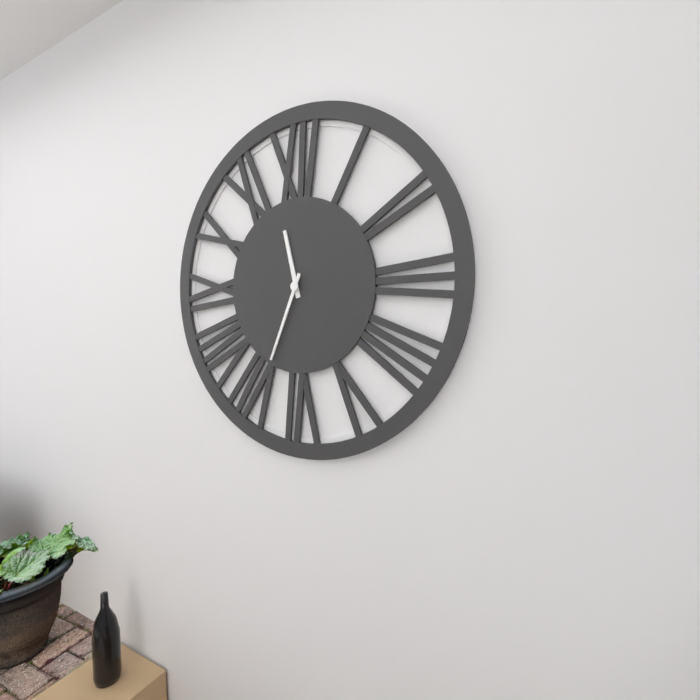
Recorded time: 11h34
